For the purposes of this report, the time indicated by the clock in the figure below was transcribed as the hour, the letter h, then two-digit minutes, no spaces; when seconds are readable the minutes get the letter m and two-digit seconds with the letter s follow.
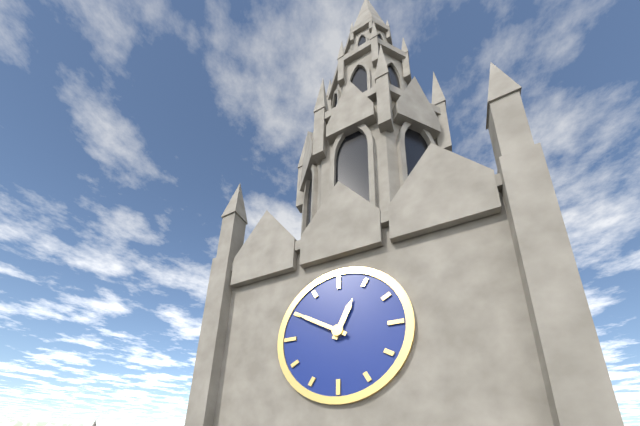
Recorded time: 12h50
